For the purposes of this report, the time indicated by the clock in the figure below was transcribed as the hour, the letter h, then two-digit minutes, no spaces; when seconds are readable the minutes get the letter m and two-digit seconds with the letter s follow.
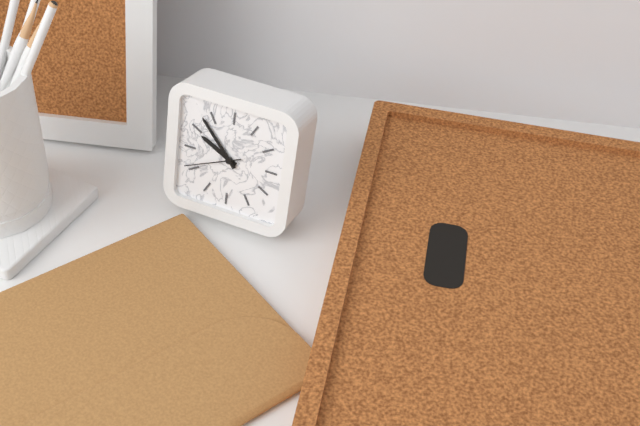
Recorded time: 9h53m41s
